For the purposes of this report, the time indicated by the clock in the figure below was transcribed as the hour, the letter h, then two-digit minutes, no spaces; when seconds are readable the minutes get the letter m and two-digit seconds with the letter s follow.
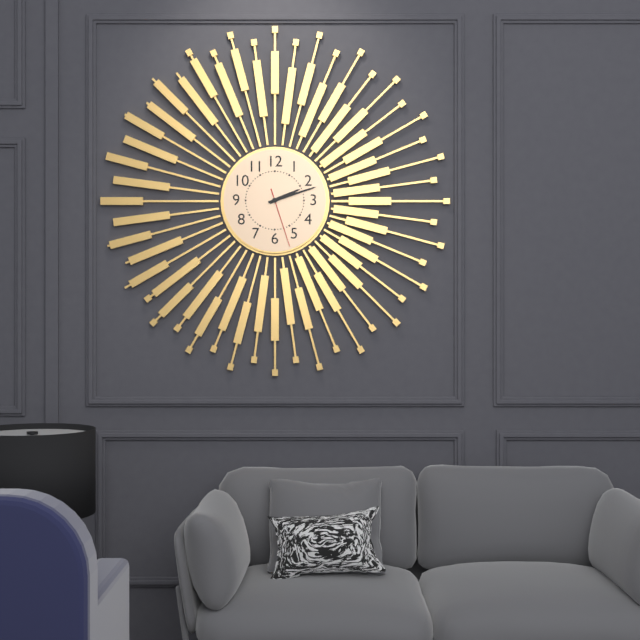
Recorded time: 2h12m27s
